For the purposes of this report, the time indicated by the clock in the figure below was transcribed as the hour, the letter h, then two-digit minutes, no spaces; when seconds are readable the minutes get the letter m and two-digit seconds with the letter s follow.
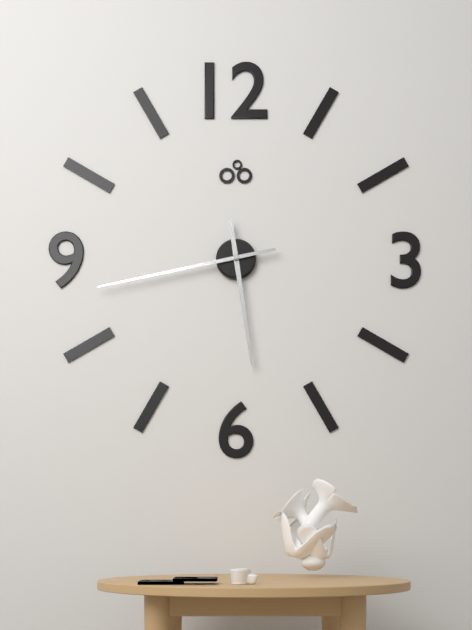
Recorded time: 5h43
